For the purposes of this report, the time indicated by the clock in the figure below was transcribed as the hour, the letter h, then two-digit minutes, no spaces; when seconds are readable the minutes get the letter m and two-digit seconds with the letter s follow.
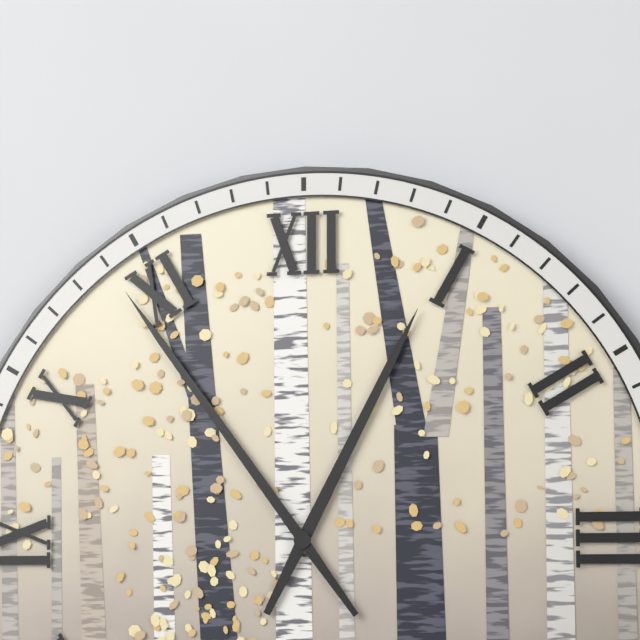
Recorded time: 12h54
